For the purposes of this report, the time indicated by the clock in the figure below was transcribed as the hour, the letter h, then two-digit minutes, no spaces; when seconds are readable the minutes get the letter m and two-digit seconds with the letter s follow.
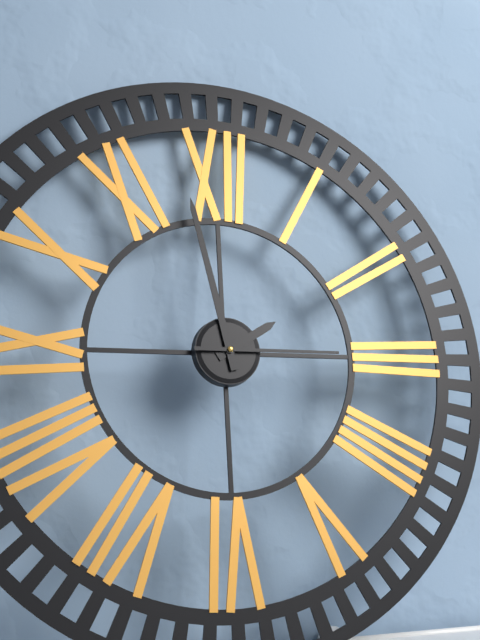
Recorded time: 1h58m15s
